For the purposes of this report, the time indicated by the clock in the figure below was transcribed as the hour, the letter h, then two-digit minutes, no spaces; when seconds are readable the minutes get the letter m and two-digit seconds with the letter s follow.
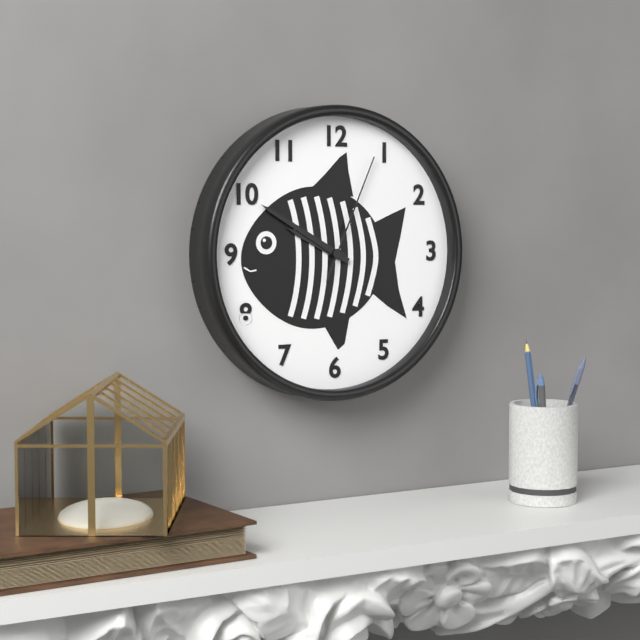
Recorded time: 9h50m04s
